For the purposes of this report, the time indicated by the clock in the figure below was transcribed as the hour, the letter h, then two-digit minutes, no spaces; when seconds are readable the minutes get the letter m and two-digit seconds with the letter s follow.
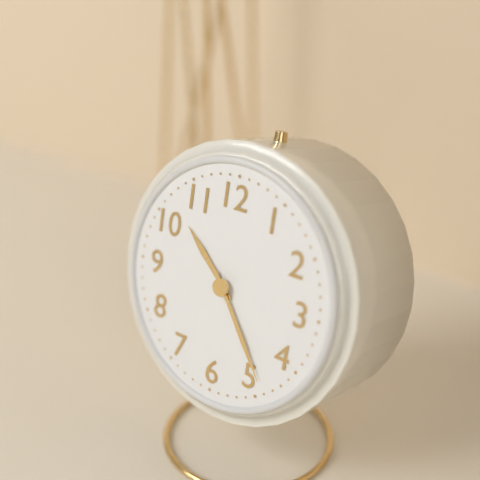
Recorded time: 10h24
